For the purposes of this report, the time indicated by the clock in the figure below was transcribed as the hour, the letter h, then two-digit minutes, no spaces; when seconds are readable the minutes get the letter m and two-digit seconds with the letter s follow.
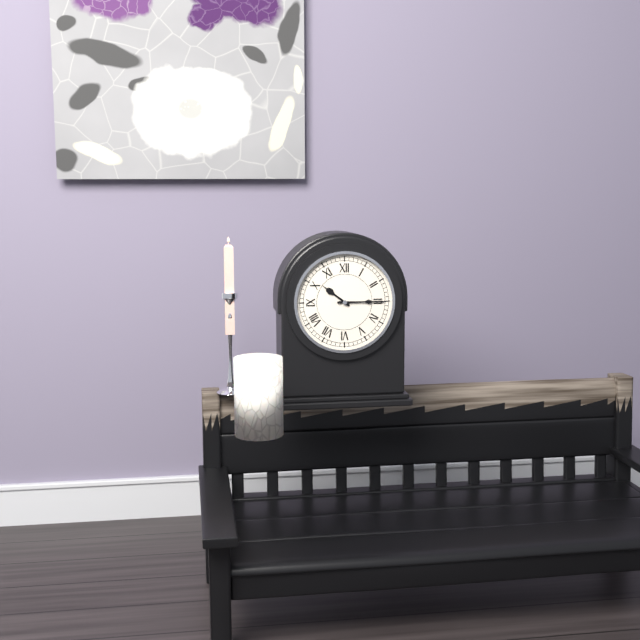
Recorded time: 10h15
